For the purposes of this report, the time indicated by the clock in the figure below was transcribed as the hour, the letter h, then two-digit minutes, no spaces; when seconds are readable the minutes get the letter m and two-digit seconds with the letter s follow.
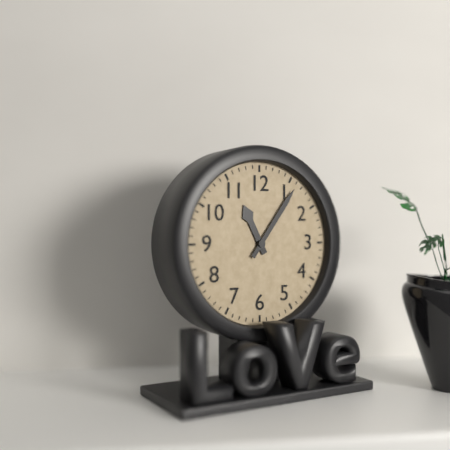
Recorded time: 11h06
